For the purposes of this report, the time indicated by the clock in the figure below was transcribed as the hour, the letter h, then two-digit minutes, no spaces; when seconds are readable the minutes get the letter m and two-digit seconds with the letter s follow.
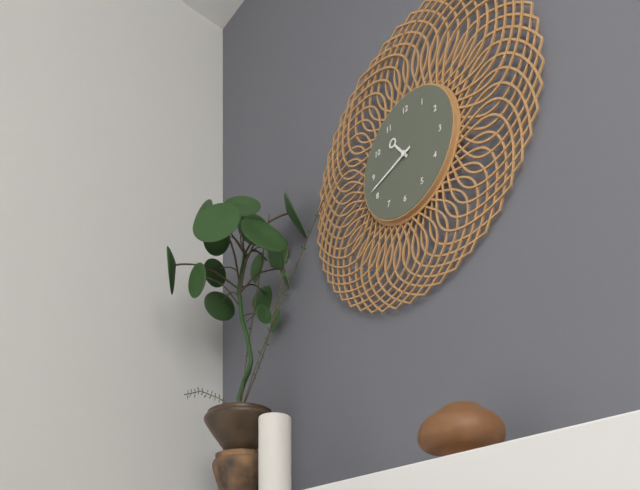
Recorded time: 10h42
